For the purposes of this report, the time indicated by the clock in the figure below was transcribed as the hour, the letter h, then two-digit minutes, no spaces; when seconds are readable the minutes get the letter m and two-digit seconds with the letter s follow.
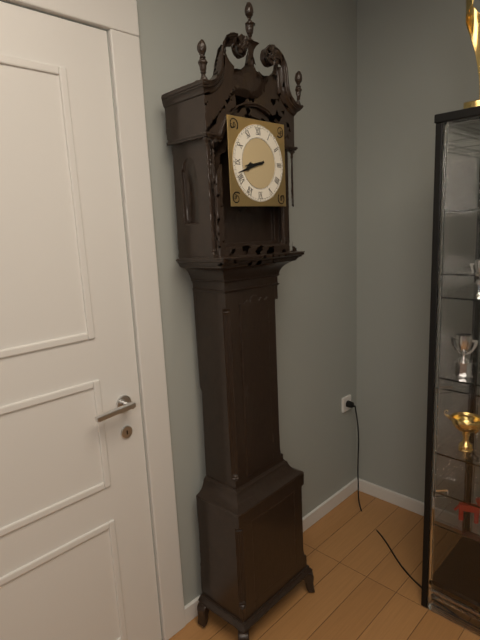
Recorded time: 8h42
